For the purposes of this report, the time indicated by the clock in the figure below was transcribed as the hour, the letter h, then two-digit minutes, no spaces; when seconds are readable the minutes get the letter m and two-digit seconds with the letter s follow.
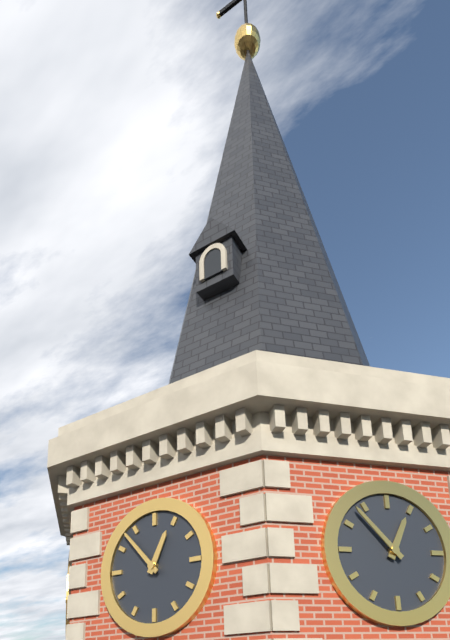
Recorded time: 12h53
